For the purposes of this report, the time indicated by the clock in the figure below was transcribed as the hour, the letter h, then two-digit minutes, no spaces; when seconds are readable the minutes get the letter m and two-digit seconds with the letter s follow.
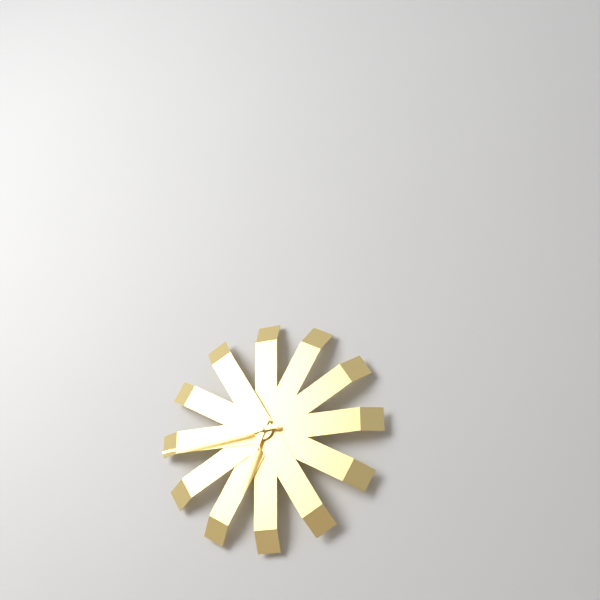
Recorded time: 6h44
